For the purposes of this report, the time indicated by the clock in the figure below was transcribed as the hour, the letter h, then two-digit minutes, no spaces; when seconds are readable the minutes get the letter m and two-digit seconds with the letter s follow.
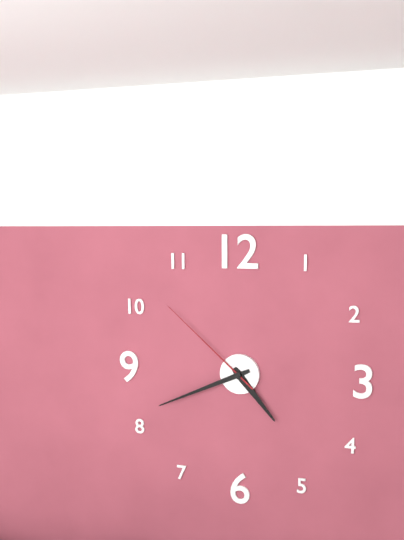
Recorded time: 4h41m52s
